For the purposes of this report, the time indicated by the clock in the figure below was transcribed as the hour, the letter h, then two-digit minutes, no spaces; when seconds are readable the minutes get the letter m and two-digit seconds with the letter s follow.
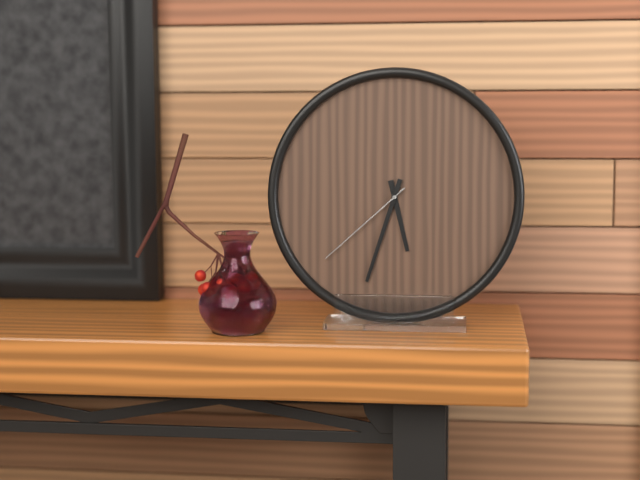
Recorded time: 5h33m38s
